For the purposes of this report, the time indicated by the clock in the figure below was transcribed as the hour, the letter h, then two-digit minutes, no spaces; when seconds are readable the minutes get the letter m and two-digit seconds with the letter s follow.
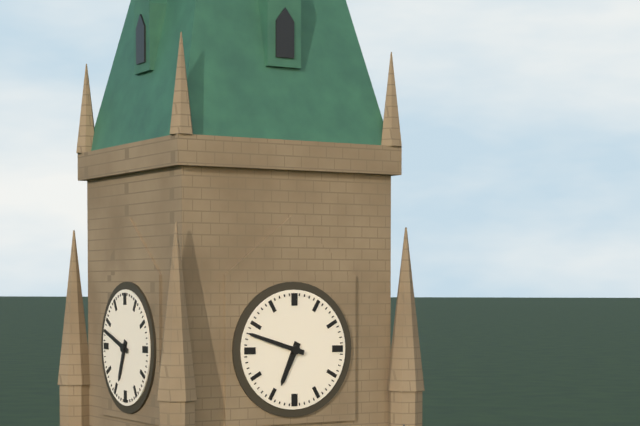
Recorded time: 6h48
